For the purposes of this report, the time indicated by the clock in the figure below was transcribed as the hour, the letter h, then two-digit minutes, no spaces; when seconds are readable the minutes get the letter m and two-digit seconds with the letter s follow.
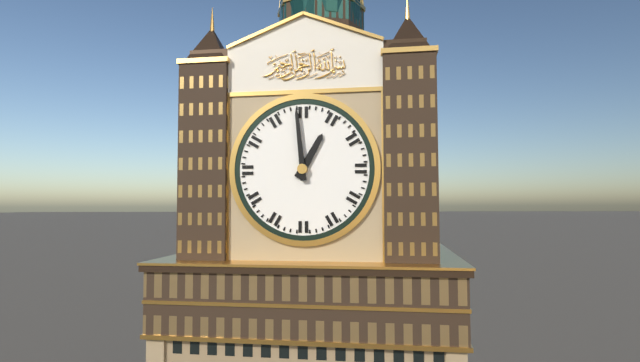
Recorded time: 12h59
